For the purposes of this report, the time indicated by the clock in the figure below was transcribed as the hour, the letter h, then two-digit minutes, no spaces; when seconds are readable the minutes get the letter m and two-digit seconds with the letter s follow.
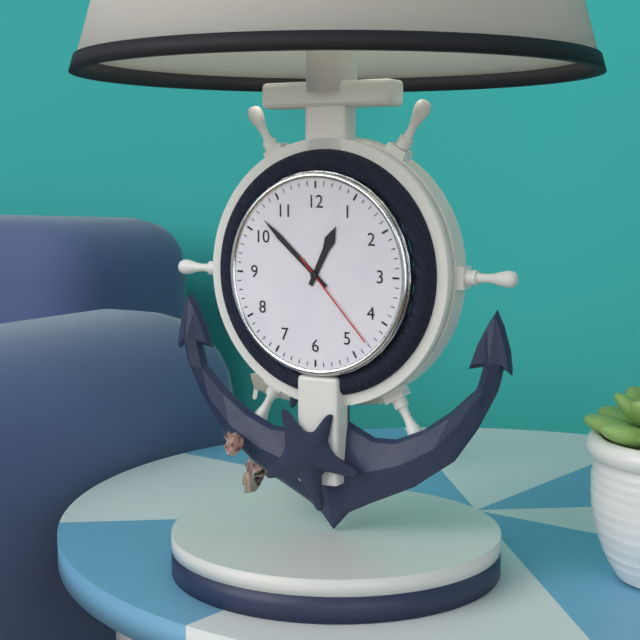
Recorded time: 12h52m23s
